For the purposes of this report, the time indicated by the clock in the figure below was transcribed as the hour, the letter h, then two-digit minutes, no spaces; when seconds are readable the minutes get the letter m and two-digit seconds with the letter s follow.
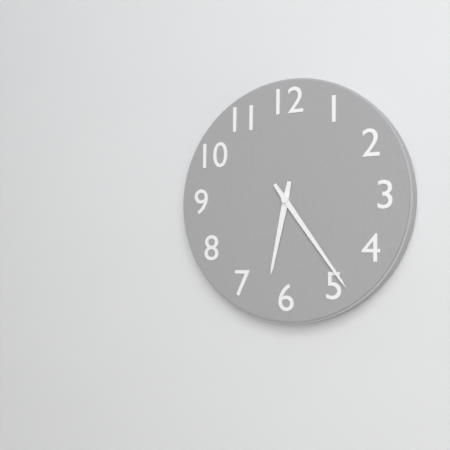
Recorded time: 6h24
